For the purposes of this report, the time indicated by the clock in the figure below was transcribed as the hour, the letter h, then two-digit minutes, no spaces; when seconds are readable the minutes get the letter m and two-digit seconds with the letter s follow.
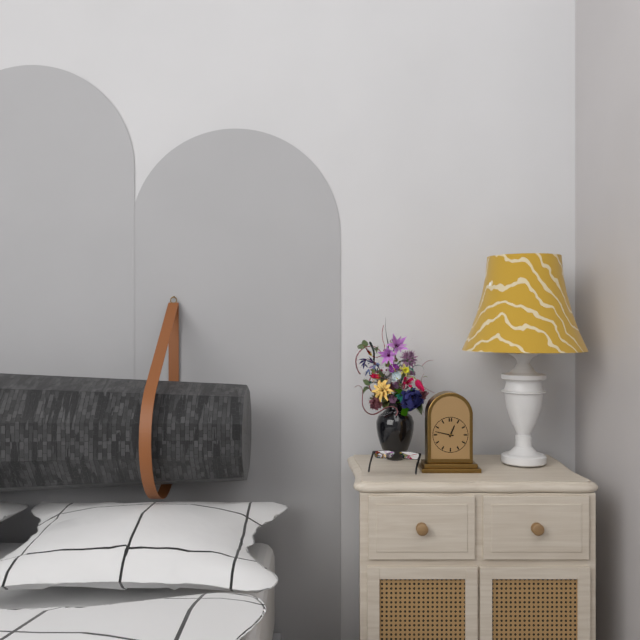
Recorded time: 12h47
